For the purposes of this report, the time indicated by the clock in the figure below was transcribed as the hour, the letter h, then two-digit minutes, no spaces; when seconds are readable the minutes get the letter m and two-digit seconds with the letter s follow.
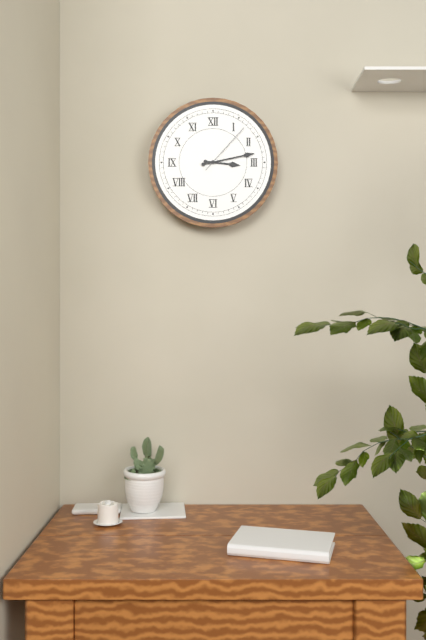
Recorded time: 3h13m07s
